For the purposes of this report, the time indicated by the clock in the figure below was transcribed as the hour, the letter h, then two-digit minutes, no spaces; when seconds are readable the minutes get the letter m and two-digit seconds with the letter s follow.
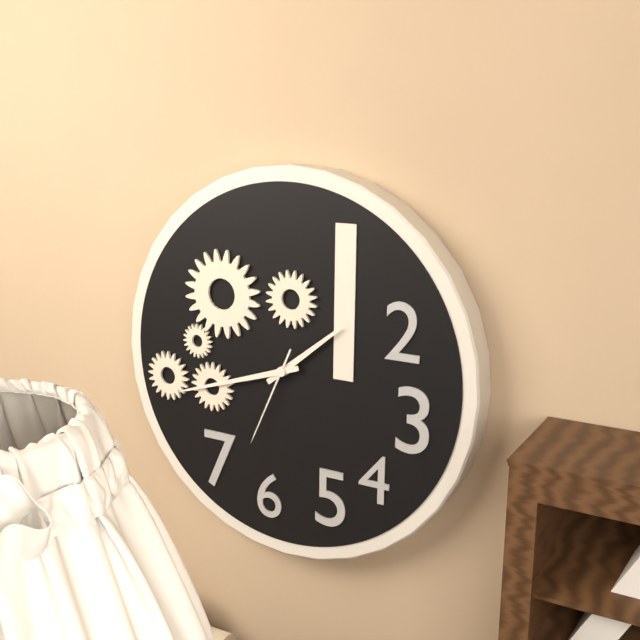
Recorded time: 1h42m34s
